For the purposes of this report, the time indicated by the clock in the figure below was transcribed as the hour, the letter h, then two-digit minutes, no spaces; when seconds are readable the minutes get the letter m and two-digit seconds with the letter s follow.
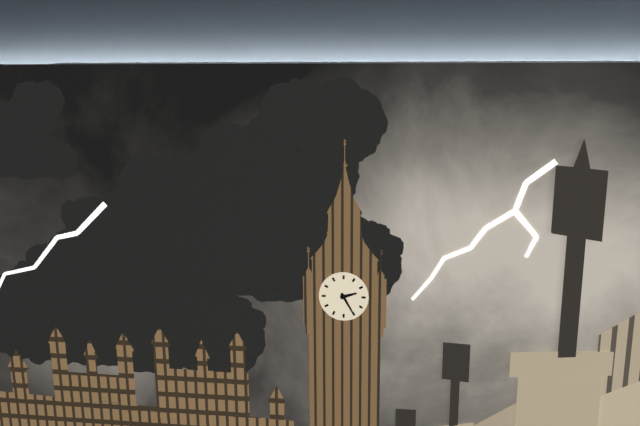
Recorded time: 2h25
